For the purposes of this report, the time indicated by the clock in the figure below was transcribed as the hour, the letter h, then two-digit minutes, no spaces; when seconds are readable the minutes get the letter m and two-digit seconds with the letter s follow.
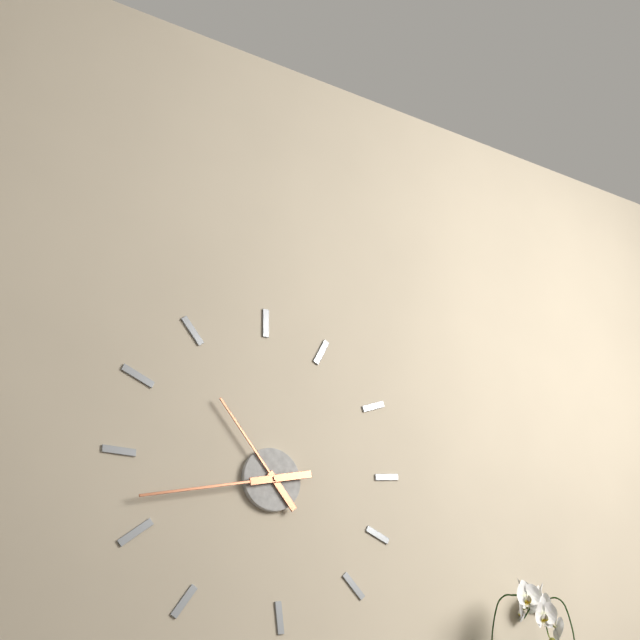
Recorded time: 10h43
